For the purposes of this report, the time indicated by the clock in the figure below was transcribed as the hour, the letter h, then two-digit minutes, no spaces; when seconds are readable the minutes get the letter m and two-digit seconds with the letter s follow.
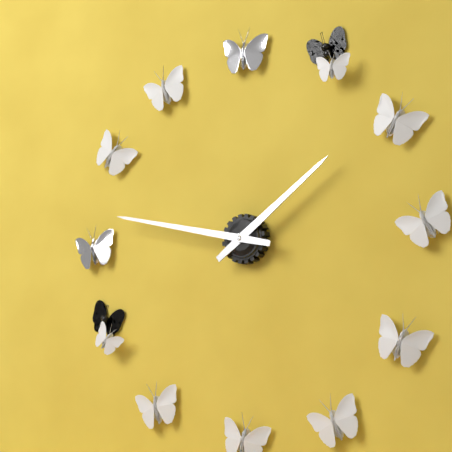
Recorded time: 1h47
